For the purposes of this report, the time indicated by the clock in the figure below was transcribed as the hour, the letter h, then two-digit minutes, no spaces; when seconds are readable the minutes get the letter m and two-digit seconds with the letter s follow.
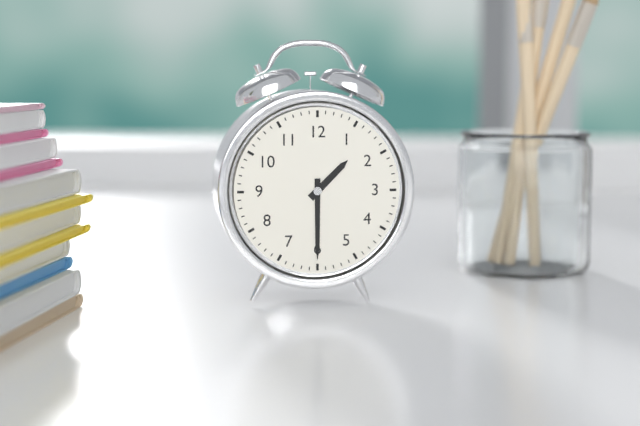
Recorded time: 1h30
